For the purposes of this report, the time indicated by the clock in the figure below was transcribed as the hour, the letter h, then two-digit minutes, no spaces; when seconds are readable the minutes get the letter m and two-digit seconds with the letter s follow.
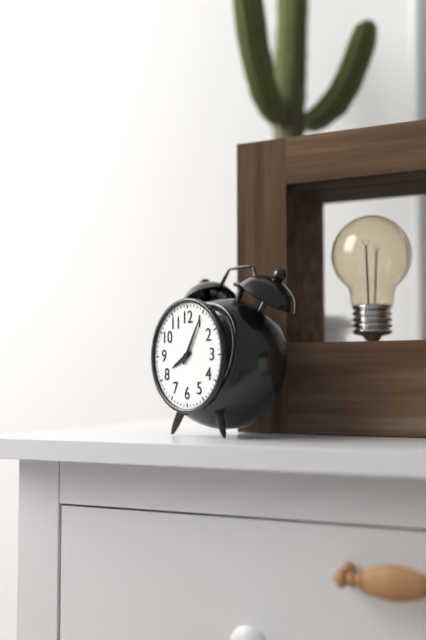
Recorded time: 8h05
